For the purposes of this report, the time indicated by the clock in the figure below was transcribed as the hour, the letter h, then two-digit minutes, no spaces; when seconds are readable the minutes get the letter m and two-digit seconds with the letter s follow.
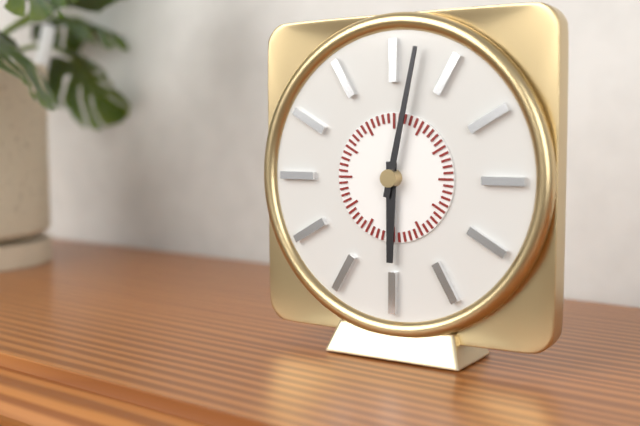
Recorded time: 6h02
